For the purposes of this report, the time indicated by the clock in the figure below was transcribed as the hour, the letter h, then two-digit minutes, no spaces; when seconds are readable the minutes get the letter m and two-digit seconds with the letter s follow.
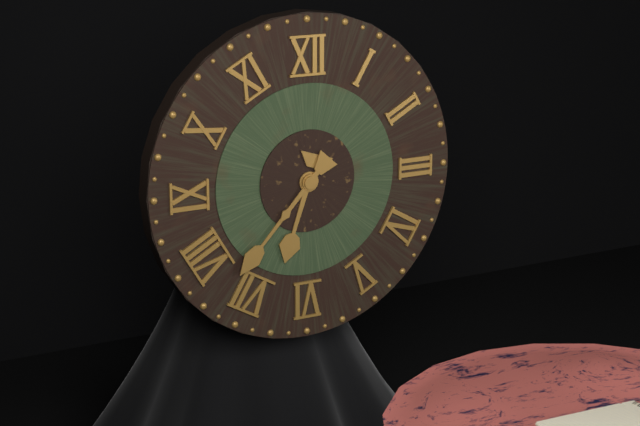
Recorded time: 6h37
